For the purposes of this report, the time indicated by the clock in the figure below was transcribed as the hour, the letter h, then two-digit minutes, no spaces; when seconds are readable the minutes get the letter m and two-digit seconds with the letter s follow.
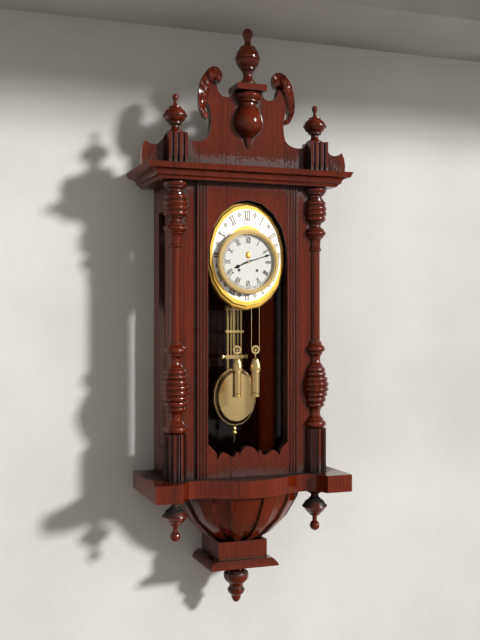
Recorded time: 8h12
